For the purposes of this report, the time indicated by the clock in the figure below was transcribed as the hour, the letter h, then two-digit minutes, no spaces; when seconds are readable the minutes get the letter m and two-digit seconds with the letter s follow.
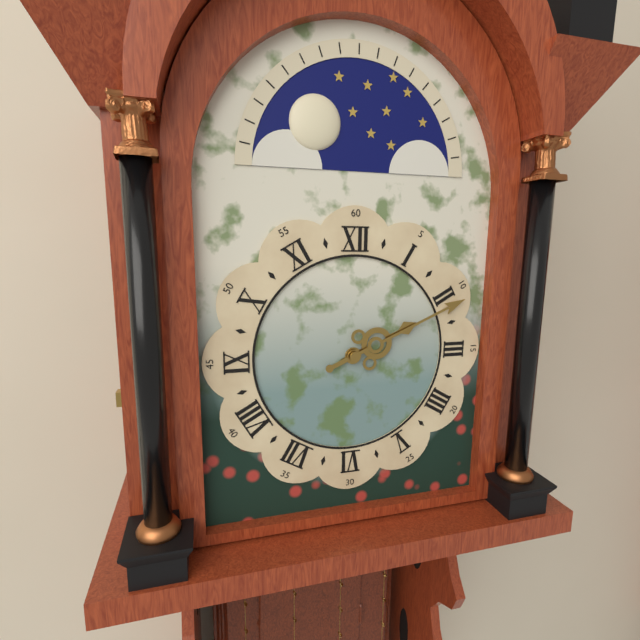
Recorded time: 2h11
